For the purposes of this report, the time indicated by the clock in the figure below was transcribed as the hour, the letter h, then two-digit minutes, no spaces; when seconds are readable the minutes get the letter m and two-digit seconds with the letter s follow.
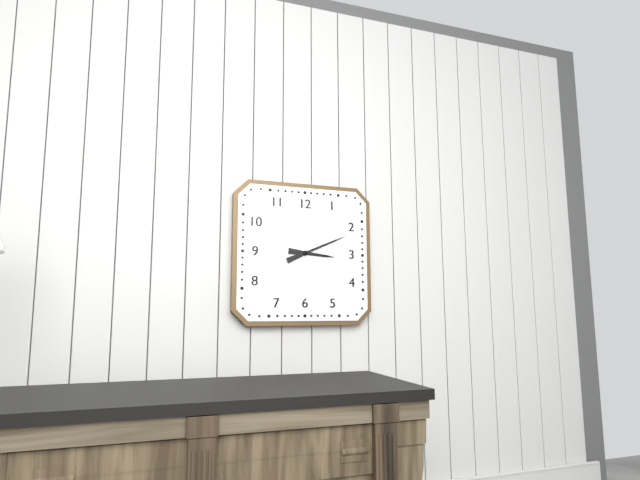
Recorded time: 3h11
